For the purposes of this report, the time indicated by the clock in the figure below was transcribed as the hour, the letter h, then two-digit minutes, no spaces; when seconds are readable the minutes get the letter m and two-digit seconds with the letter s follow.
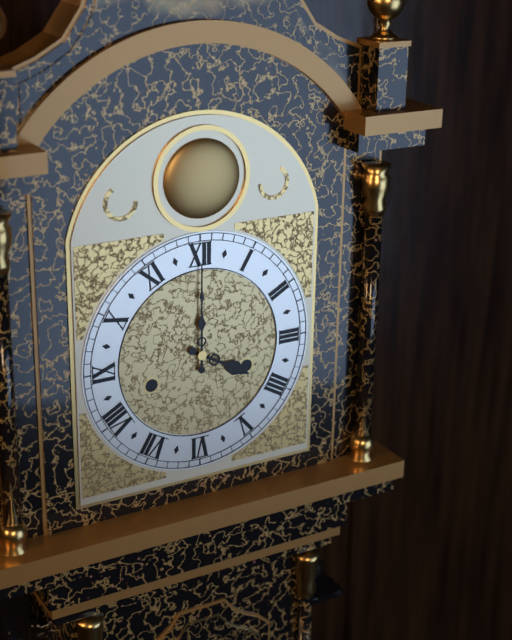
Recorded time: 4h00
